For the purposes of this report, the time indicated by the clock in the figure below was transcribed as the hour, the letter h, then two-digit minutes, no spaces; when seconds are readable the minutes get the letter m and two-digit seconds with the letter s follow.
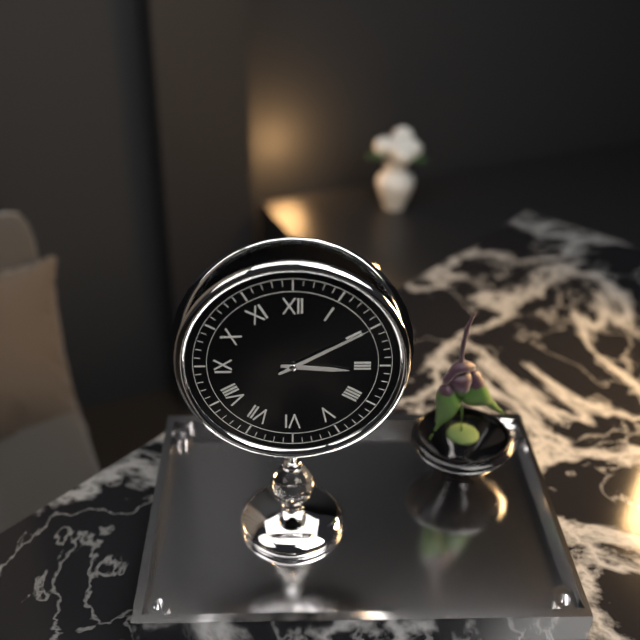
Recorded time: 3h10
